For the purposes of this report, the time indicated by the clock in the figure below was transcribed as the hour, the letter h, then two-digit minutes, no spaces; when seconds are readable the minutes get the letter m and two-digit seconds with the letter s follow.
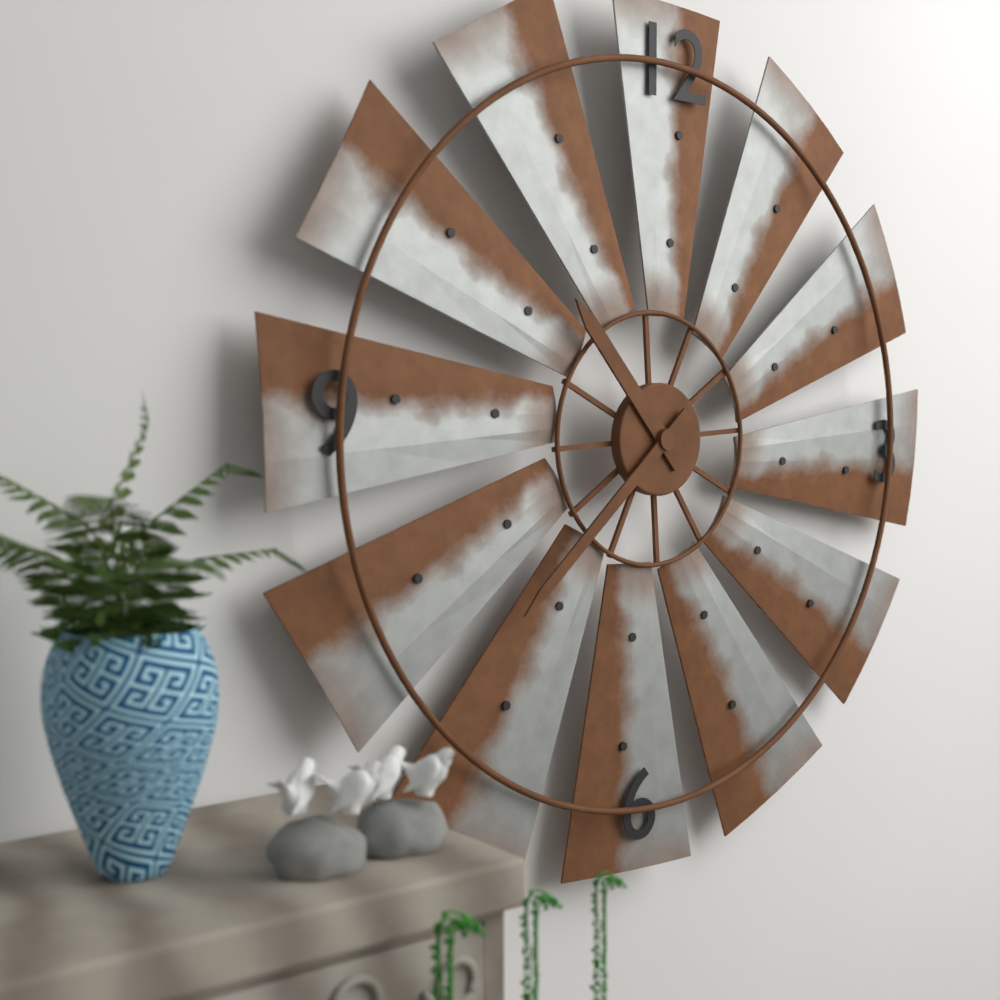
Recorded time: 10h38
